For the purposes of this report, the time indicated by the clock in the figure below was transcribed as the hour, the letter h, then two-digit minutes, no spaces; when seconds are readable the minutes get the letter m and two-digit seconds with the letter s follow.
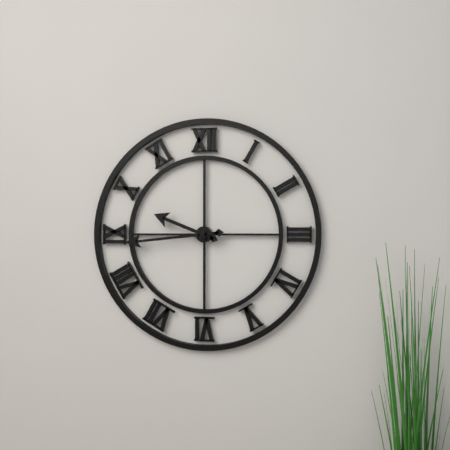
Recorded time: 9h44
